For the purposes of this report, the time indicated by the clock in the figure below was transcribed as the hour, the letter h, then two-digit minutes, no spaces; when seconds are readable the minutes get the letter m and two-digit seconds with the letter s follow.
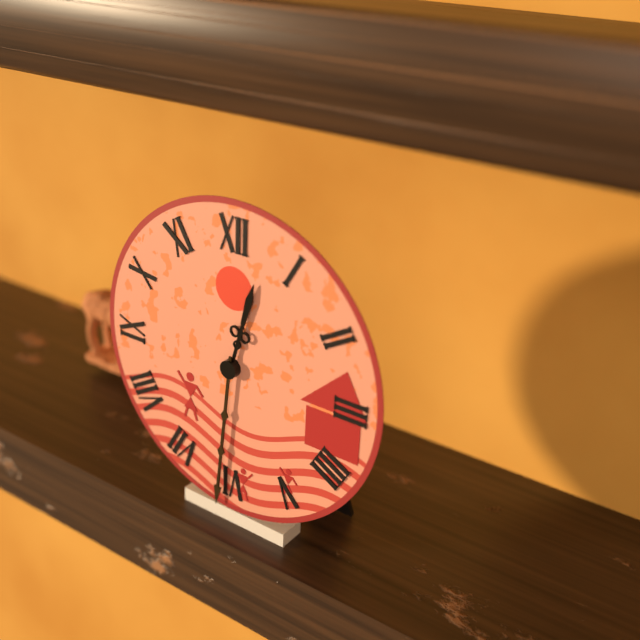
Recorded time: 12h31
